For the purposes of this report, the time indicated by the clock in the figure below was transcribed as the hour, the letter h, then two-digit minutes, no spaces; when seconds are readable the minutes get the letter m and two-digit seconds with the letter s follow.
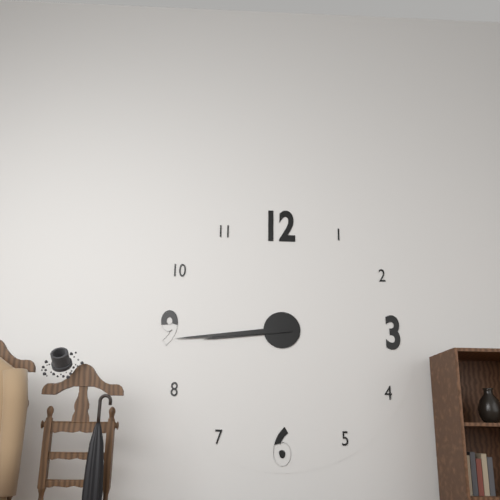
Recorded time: 8h44
